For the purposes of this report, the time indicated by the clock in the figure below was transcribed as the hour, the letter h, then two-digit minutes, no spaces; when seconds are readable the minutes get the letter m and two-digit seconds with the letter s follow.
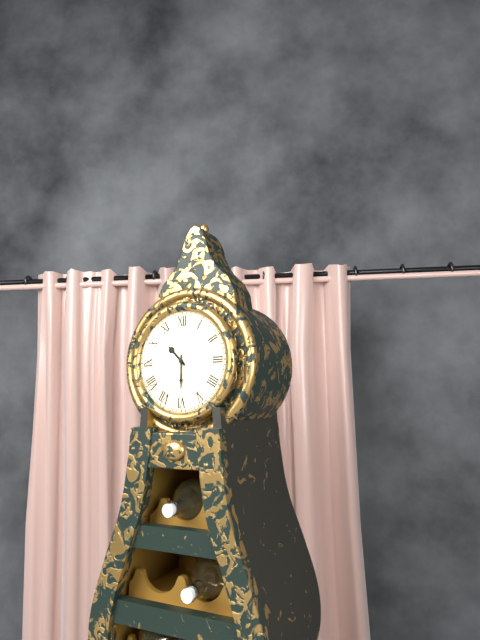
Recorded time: 10h30
